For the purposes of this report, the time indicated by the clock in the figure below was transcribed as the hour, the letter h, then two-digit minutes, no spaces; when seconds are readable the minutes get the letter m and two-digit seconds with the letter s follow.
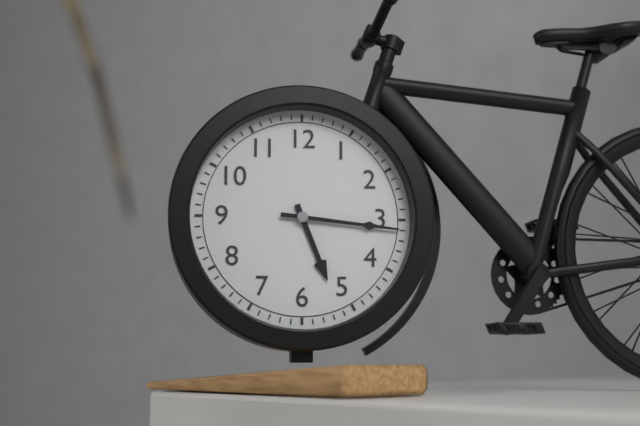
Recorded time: 5h16
